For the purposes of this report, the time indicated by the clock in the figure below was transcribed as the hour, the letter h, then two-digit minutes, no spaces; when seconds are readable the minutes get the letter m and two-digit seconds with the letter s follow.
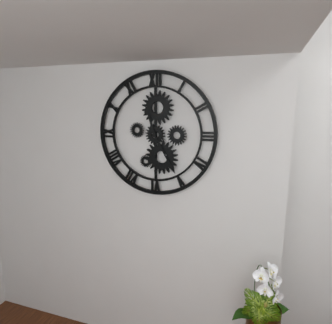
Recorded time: 11h25
